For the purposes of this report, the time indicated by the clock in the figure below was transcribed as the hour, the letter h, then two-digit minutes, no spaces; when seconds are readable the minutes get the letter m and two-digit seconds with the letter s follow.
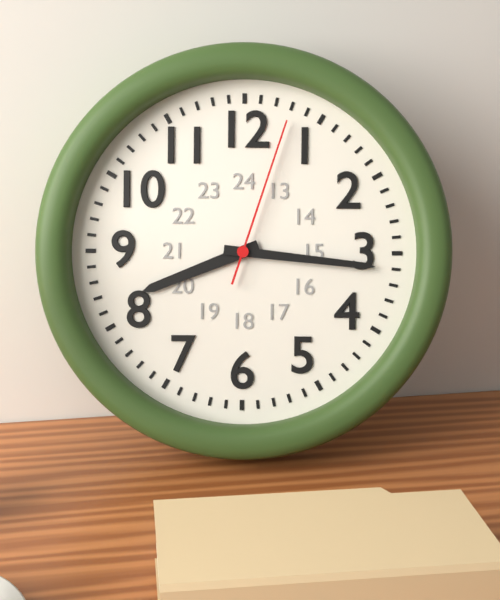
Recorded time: 8h16m03s
